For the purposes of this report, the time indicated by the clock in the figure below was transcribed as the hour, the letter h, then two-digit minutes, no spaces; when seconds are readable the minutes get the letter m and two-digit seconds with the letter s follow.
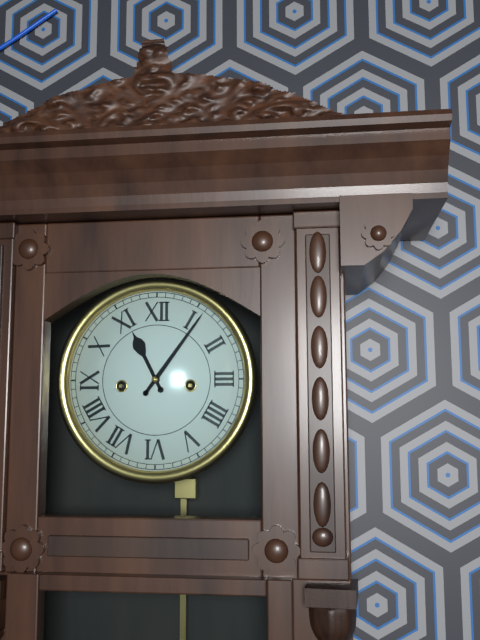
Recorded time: 11h06
